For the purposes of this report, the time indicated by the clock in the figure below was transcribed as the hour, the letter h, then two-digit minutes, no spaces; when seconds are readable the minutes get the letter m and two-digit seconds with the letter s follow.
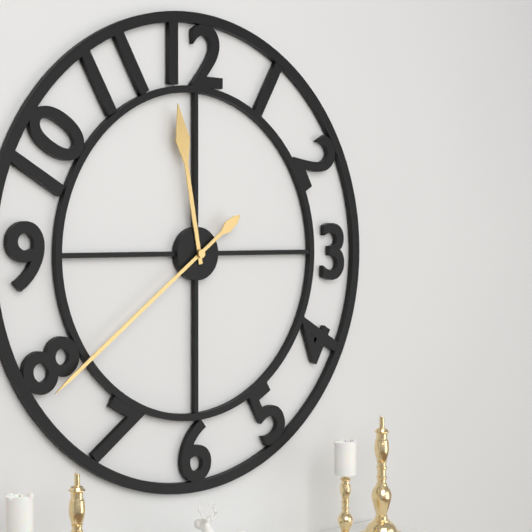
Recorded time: 11h39
